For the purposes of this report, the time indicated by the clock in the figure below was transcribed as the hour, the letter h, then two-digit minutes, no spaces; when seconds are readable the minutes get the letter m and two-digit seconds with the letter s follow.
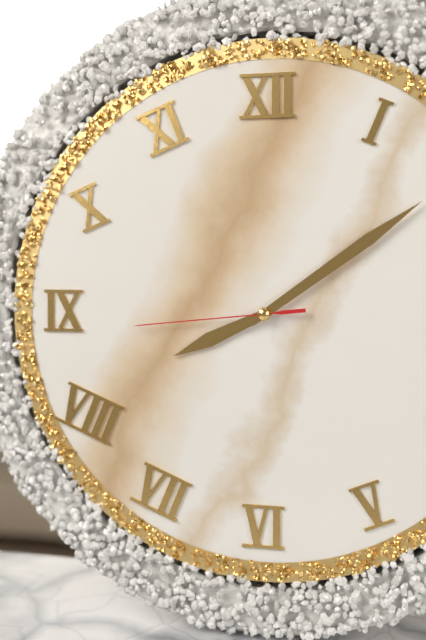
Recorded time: 8h09m44s
